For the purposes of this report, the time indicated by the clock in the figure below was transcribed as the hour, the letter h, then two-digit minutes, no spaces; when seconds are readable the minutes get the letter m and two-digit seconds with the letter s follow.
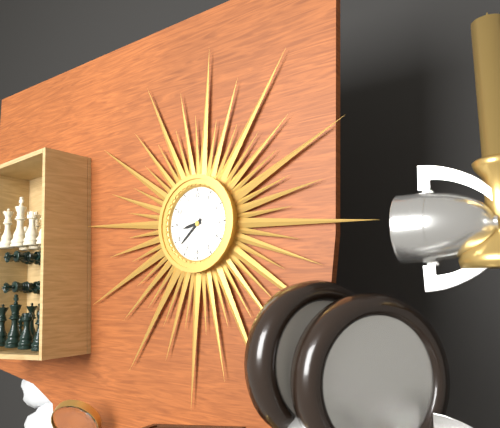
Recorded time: 8h38
